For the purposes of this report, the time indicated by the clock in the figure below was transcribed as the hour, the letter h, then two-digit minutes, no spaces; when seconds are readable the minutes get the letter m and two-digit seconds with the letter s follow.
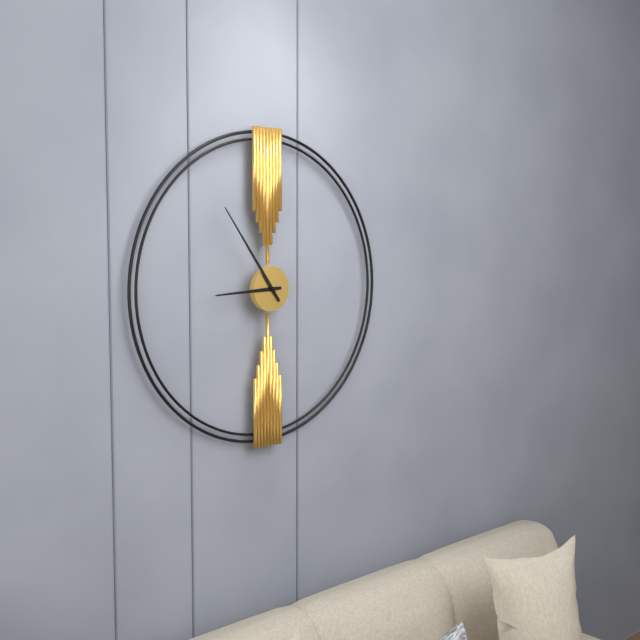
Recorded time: 8h54
